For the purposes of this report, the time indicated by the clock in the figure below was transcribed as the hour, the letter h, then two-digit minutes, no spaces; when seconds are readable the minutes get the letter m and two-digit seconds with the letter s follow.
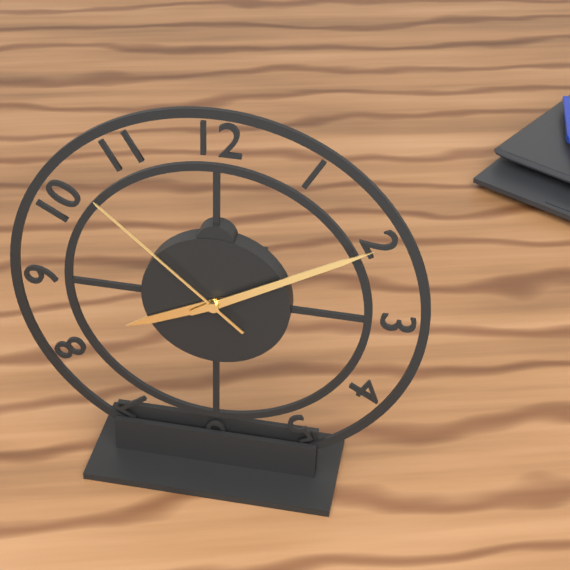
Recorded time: 8h10m52s
